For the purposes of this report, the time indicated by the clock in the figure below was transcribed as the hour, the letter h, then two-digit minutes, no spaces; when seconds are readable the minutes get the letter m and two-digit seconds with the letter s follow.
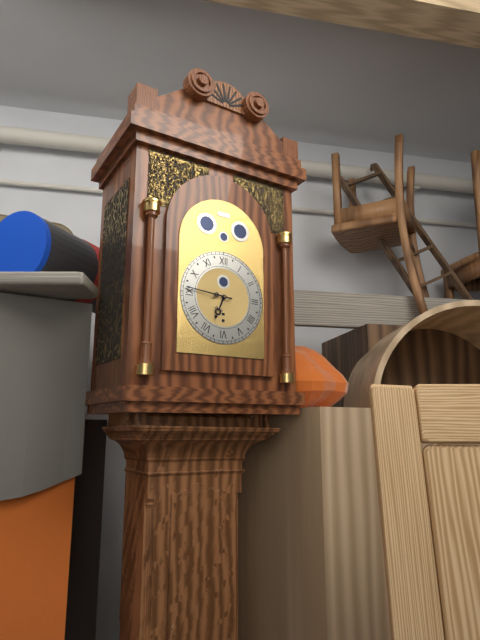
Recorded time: 6h46
